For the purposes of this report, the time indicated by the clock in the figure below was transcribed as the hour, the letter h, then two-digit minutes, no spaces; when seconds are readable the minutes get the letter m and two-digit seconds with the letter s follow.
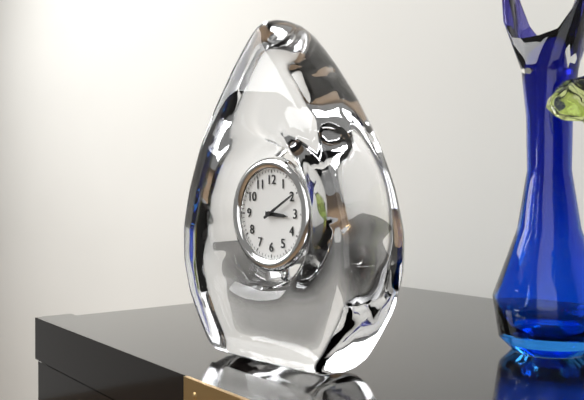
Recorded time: 3h10
